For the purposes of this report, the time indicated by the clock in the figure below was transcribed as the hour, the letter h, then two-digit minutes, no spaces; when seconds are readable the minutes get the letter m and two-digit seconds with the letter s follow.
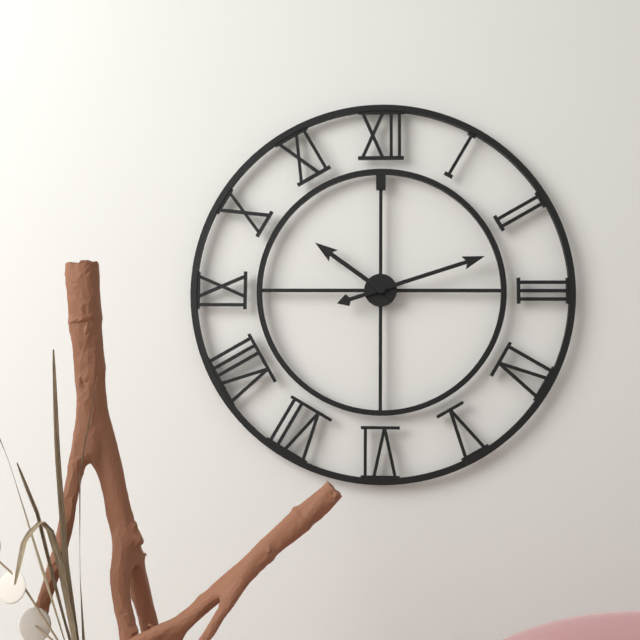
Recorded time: 10h12
